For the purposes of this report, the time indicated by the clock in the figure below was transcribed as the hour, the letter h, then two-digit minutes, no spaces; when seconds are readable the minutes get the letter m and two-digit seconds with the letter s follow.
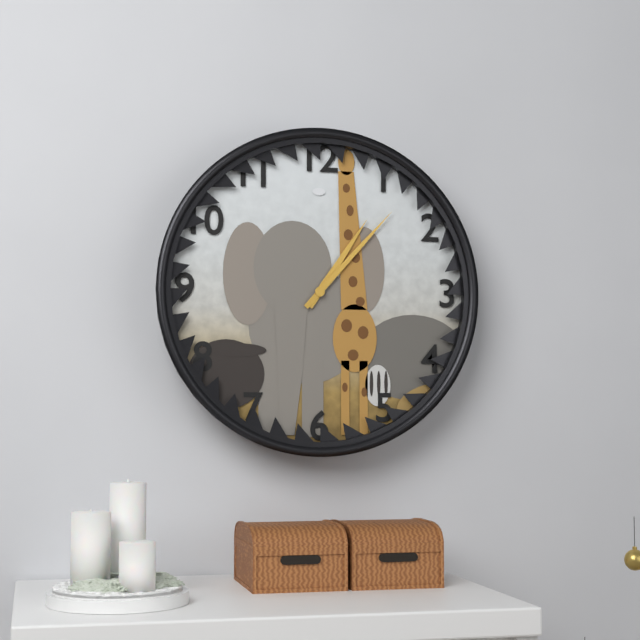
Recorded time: 1h07
